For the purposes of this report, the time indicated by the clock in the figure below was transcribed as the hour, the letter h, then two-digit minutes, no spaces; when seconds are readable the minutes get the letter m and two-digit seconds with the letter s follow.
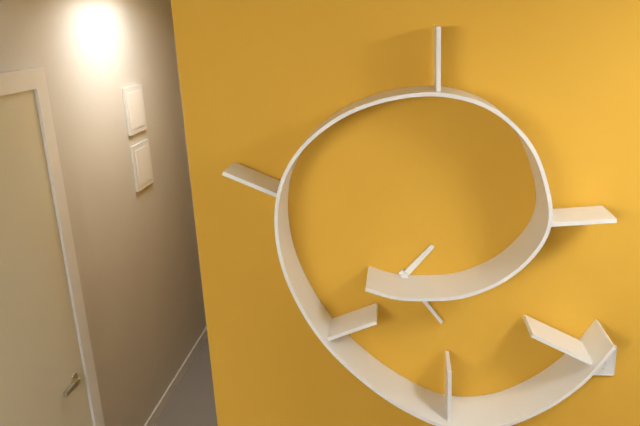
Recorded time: 1h24
